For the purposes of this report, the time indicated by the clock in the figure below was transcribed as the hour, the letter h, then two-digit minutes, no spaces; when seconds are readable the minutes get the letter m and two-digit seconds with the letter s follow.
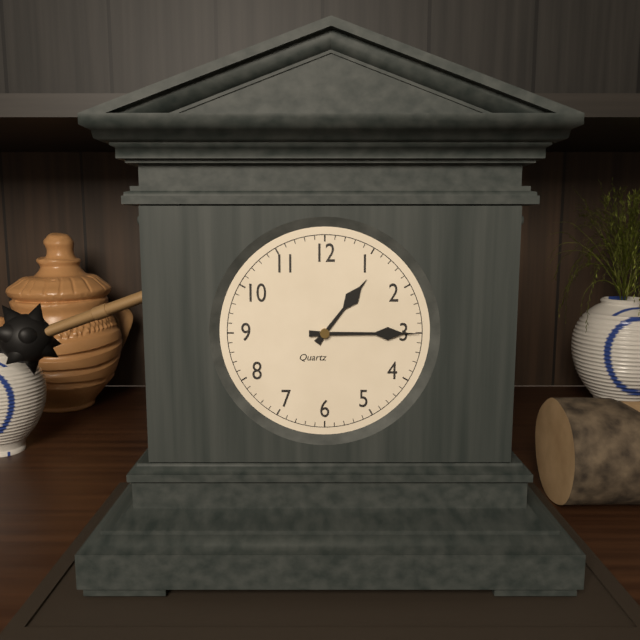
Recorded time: 1h15
